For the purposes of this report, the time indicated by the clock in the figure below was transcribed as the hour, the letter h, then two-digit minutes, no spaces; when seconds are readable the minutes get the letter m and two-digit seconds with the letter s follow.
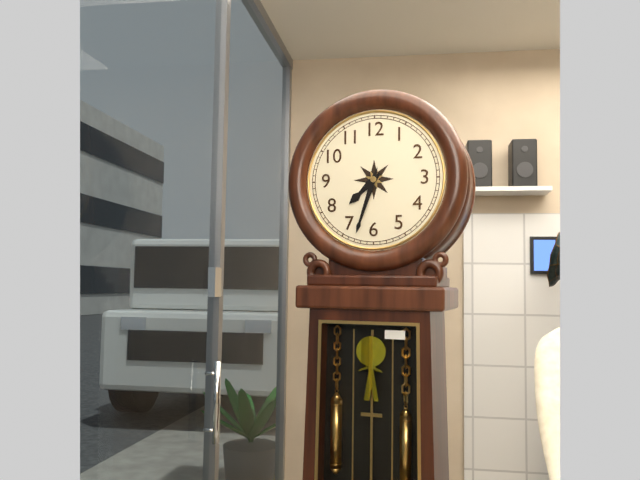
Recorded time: 7h33
